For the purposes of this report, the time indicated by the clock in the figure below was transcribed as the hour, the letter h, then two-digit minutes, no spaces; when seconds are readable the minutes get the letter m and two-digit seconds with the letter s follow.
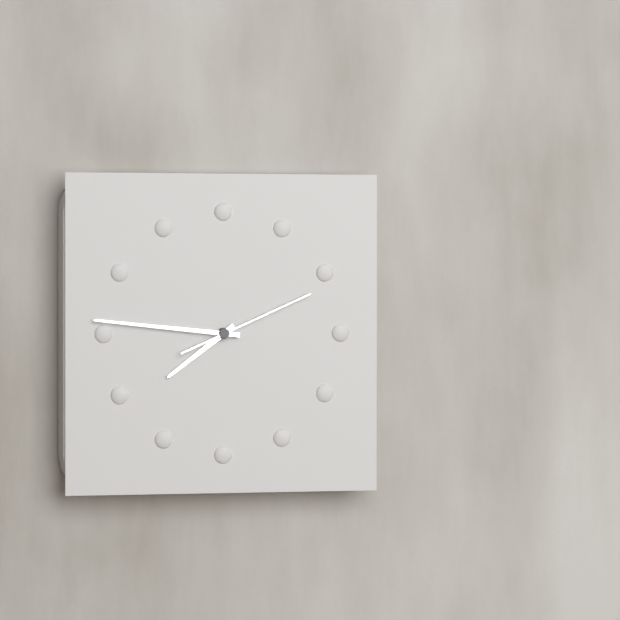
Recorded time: 7h46m11s
